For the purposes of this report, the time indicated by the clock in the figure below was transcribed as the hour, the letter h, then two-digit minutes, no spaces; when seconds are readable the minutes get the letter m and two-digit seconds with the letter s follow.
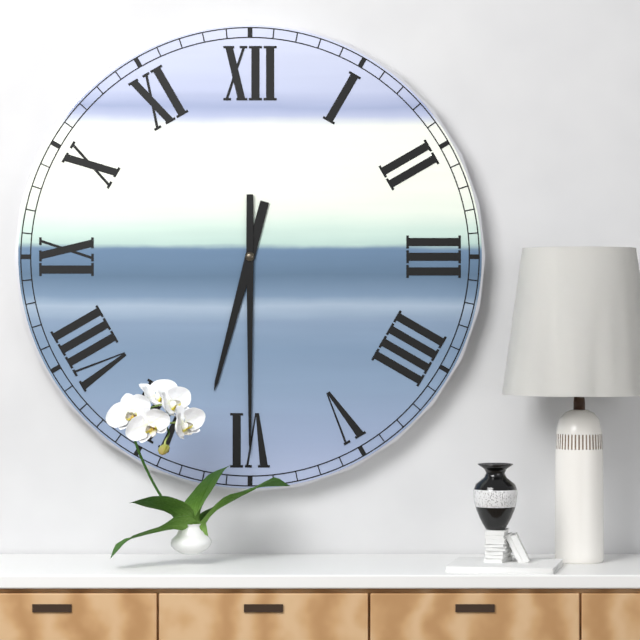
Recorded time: 6h30
